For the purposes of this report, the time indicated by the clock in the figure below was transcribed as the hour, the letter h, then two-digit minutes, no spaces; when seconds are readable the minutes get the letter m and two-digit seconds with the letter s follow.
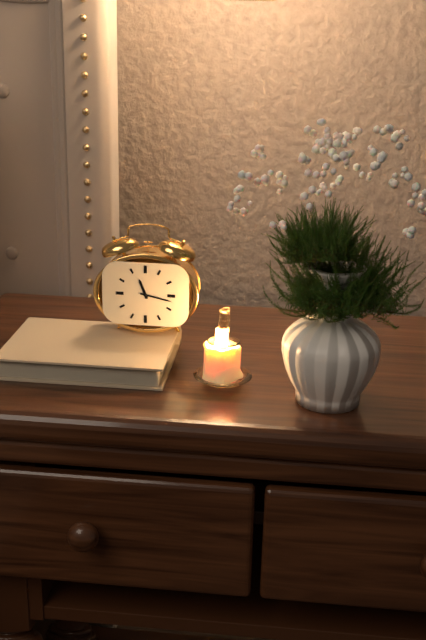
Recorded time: 11h17
